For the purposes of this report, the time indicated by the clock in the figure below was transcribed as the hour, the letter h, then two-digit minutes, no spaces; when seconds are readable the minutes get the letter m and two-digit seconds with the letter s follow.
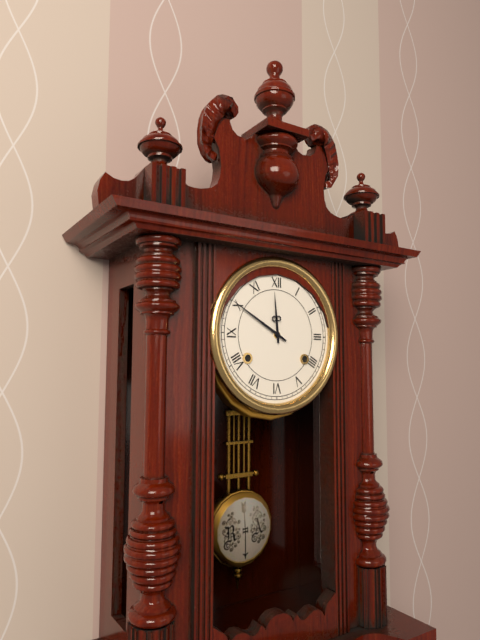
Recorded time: 11h50
